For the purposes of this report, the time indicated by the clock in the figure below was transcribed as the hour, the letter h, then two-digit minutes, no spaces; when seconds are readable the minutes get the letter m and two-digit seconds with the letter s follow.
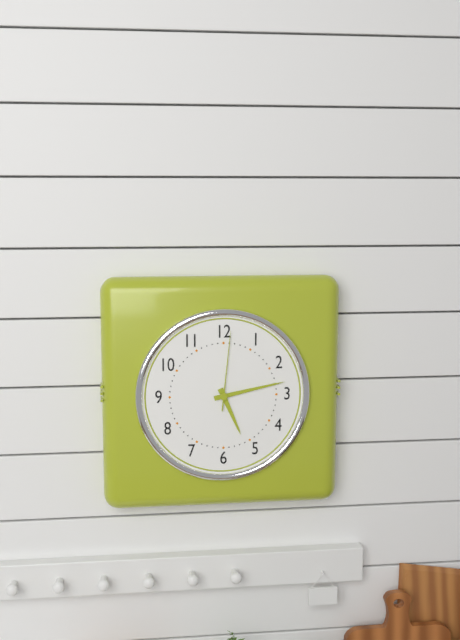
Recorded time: 5h13m01s
